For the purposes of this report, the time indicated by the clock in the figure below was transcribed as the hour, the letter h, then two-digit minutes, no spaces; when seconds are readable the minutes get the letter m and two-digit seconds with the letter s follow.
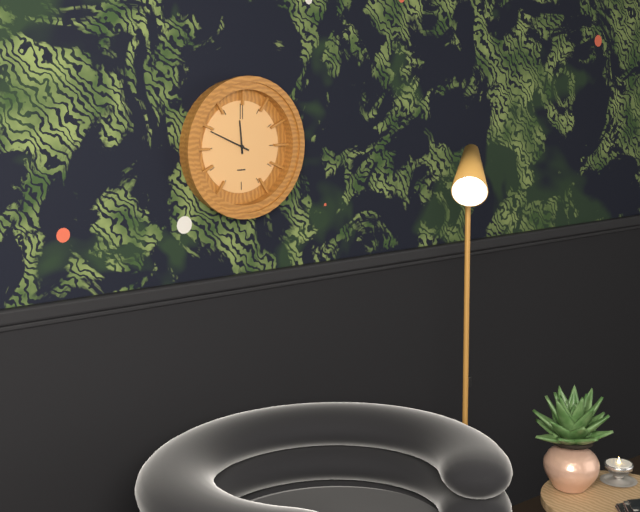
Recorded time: 11h49
